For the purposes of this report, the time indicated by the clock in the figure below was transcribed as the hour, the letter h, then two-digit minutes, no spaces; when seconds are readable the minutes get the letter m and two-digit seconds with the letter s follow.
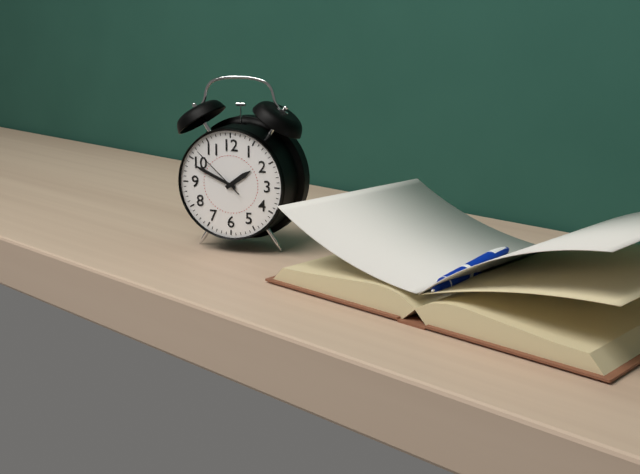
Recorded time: 1h49m52s
